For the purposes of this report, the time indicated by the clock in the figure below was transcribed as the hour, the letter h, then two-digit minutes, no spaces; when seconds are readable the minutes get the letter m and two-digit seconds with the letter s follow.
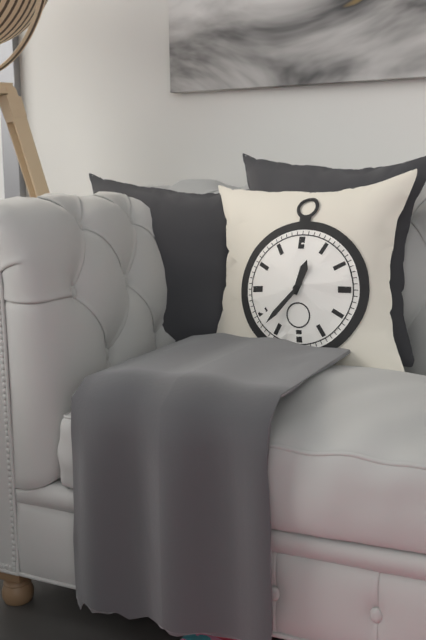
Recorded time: 12h37
